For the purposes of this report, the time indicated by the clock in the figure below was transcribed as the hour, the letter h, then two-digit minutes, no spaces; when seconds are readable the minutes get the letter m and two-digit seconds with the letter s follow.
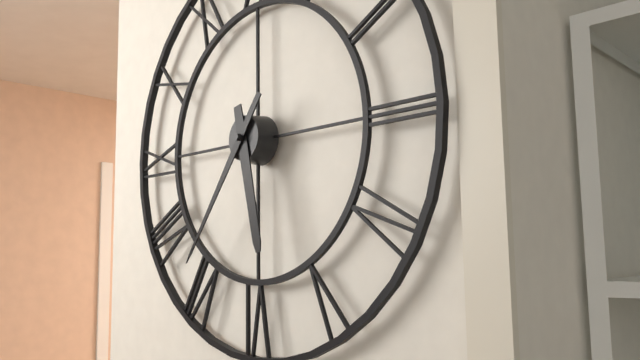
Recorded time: 5h36
